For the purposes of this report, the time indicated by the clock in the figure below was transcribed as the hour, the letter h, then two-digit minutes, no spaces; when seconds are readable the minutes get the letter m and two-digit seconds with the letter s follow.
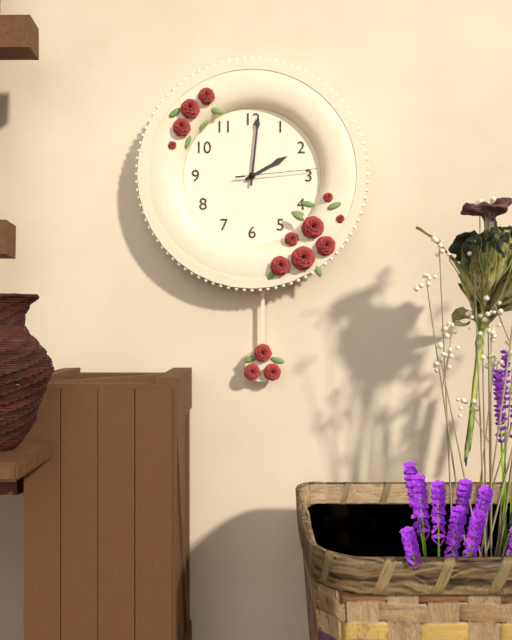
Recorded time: 2h01m14s
